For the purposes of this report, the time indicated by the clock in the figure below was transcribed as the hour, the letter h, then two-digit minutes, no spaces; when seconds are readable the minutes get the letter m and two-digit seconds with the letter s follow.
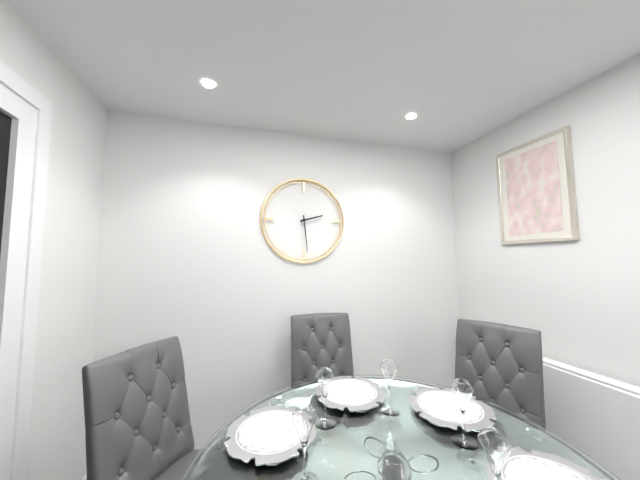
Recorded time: 2h29
